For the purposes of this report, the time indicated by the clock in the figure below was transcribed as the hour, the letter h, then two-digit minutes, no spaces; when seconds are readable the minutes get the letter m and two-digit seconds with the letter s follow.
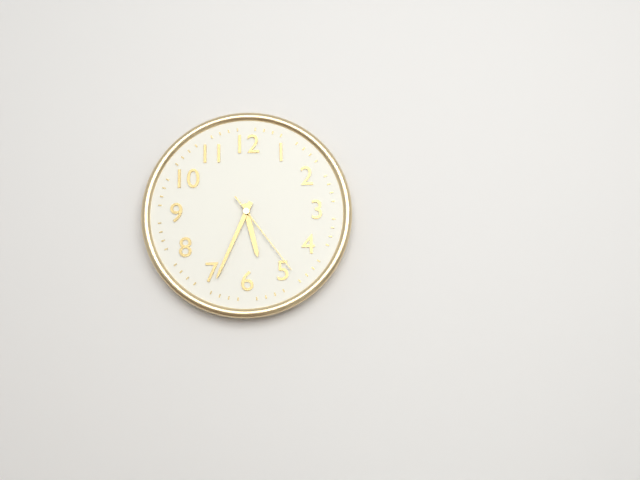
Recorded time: 5h34m24s
